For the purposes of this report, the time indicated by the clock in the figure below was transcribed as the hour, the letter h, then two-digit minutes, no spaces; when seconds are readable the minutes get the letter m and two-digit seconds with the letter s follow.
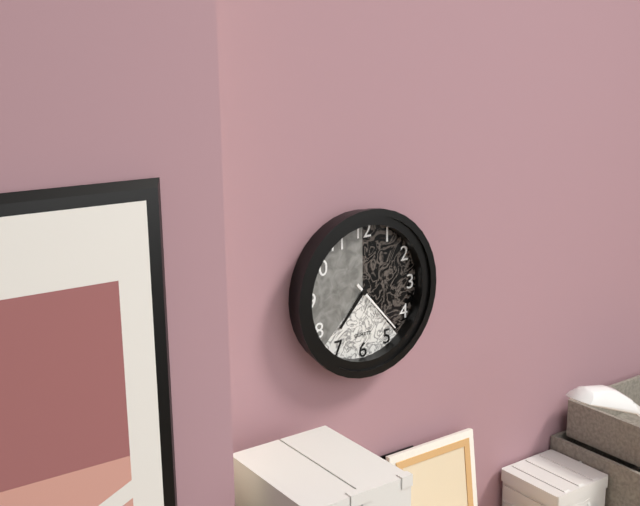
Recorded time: 7h23
